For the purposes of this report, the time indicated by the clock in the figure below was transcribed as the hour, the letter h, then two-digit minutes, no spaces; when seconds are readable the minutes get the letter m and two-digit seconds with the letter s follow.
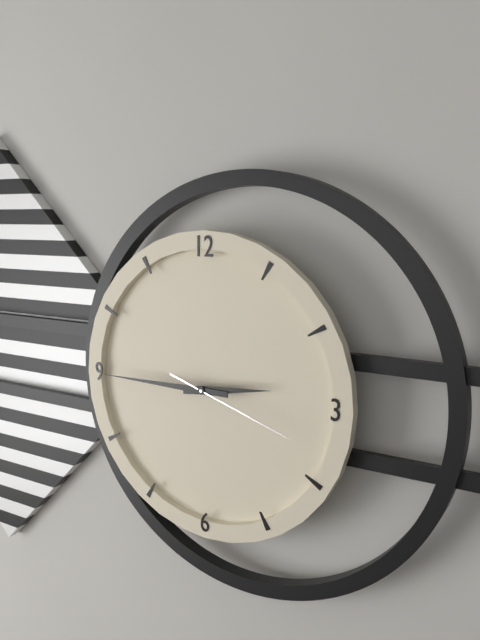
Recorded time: 2h45m18s
